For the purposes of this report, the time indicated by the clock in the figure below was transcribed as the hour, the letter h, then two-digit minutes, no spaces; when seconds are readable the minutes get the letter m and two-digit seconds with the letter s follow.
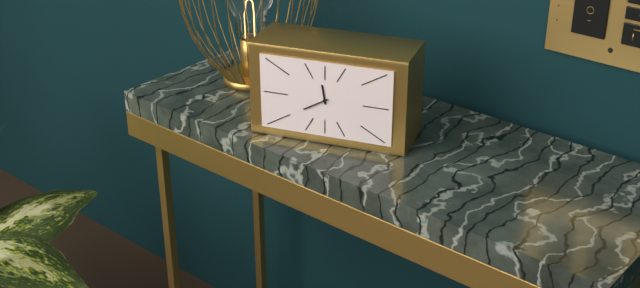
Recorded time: 11h40
